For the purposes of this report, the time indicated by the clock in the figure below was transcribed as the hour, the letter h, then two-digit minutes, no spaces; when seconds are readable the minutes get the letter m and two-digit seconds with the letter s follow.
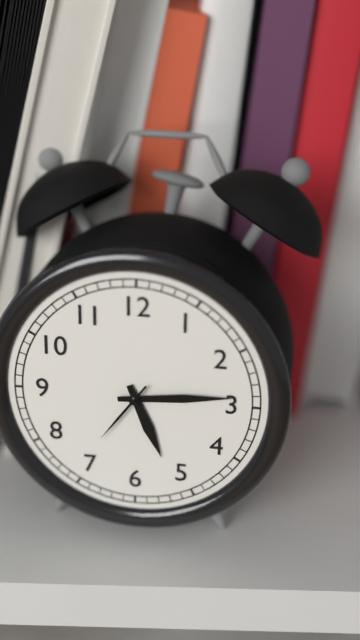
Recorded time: 5h14m36s
